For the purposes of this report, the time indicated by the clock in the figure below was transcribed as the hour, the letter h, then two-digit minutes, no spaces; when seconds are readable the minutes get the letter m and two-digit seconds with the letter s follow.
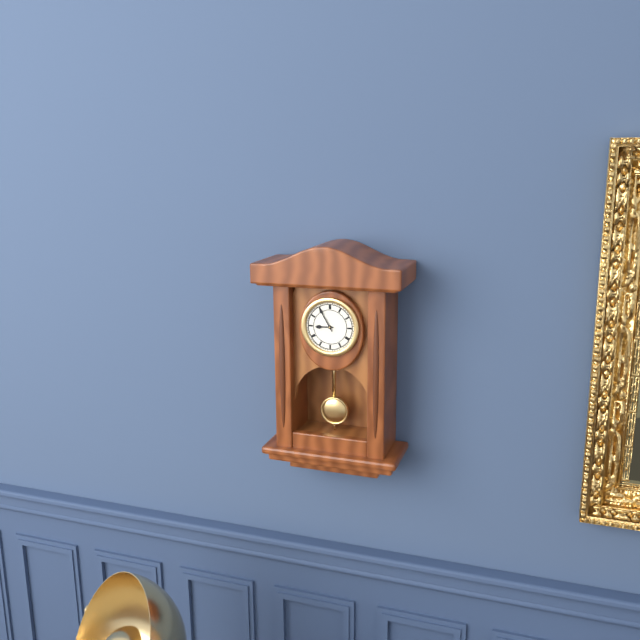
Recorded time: 8h55
